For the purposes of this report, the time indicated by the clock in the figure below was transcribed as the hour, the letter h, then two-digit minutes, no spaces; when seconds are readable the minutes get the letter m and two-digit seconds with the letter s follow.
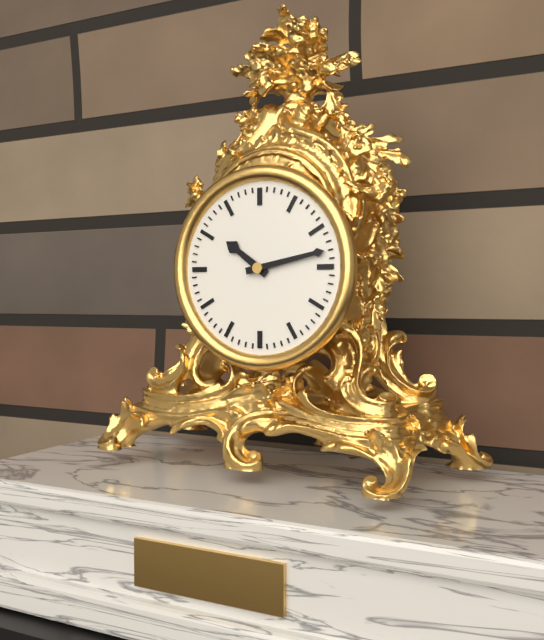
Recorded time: 10h13
